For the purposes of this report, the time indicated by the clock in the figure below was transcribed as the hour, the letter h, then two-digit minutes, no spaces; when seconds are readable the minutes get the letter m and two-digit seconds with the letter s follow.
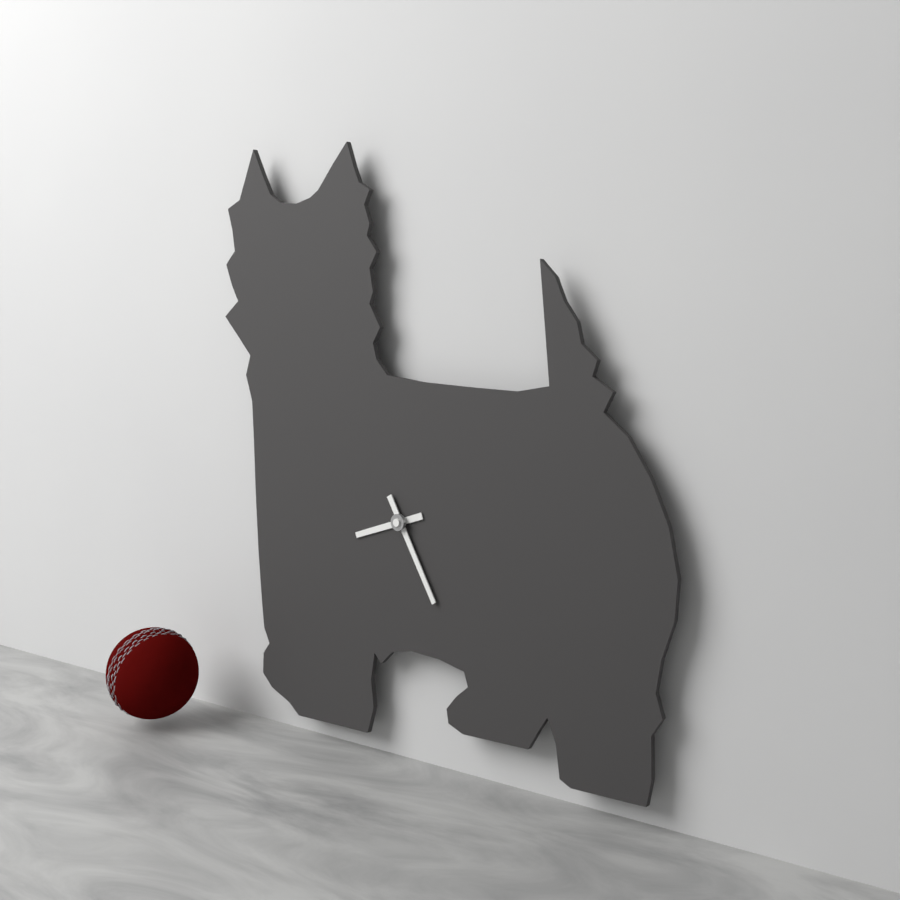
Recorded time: 8h25
